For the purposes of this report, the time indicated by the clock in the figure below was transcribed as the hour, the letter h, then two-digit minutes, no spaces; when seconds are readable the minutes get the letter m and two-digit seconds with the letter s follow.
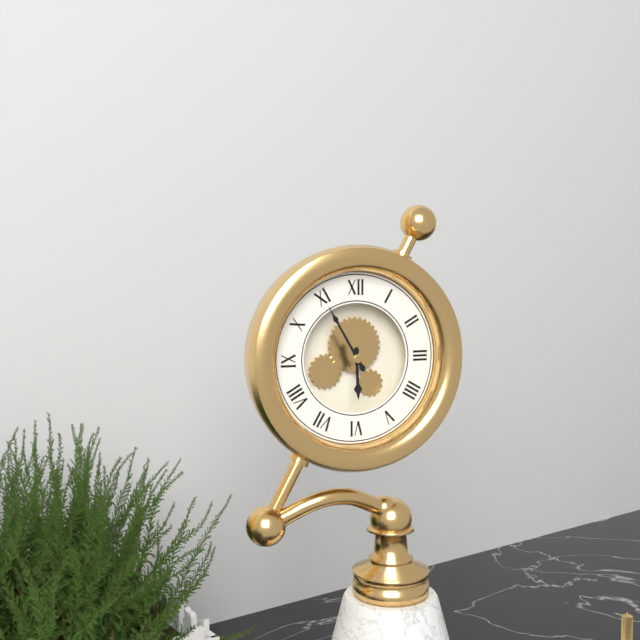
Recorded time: 5h55
